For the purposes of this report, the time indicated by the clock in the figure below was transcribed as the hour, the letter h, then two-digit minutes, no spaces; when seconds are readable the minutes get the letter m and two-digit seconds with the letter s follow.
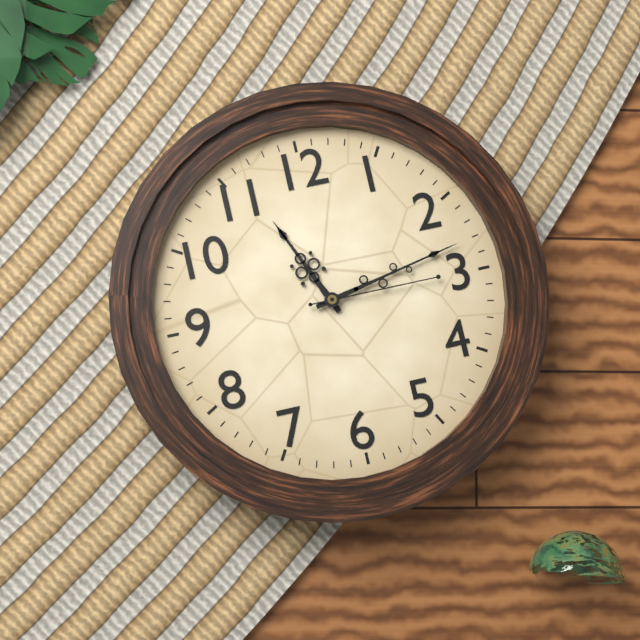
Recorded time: 11h13m15s
